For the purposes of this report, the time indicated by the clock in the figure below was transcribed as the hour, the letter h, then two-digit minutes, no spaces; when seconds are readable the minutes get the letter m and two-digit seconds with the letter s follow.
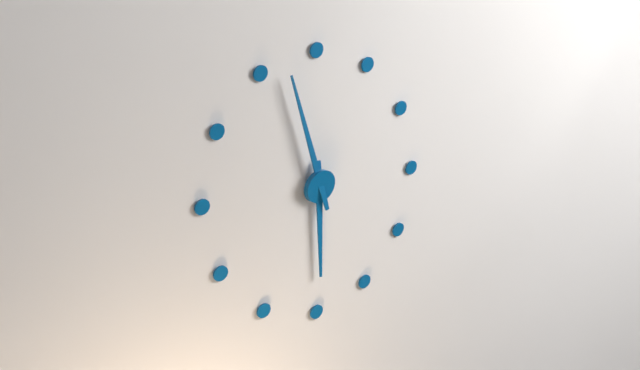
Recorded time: 5h57
